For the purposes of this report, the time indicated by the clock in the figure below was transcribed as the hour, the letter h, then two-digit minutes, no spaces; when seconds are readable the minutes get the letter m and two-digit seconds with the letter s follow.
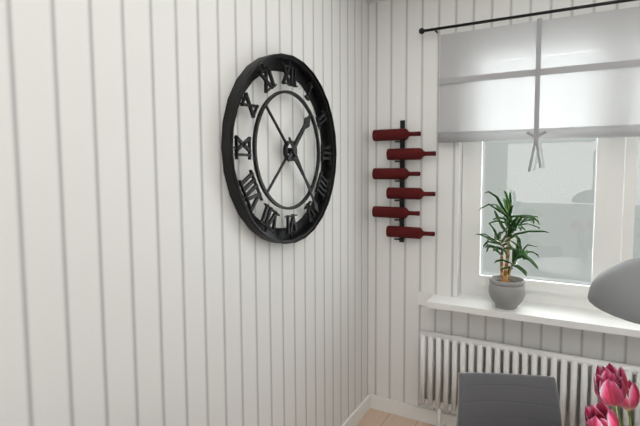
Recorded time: 1h24
